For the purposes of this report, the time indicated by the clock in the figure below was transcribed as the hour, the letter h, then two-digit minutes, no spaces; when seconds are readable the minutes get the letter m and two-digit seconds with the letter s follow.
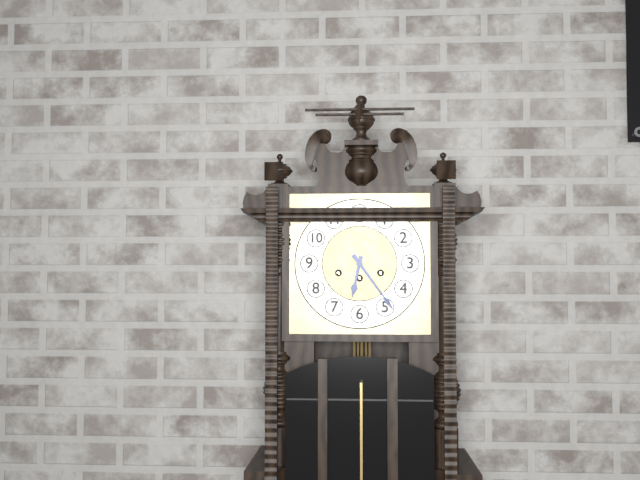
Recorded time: 6h24
